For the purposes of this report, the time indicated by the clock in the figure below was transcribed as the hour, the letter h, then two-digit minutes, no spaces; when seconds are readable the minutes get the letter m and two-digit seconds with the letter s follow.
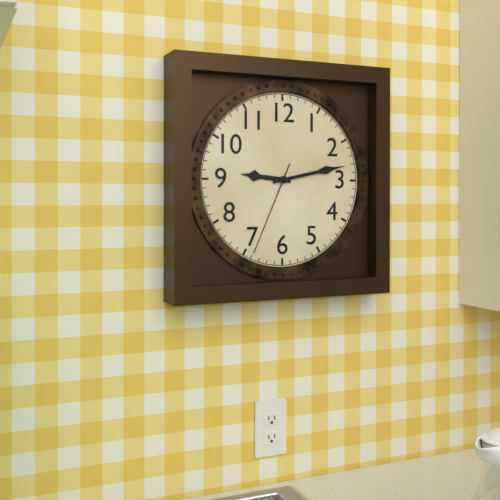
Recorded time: 9h13m34s
